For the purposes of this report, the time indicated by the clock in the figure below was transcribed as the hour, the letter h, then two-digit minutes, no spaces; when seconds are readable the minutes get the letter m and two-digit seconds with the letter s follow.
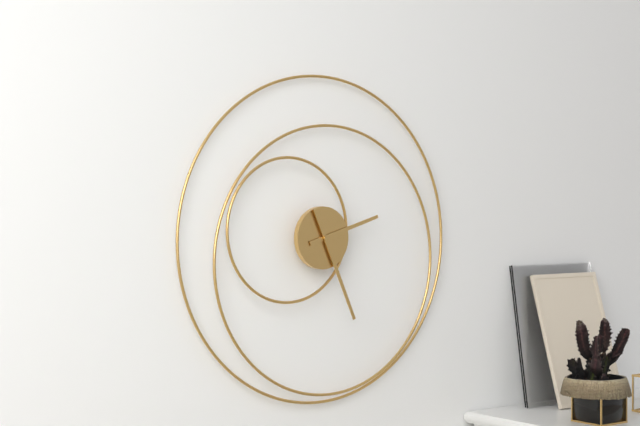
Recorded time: 2h26
